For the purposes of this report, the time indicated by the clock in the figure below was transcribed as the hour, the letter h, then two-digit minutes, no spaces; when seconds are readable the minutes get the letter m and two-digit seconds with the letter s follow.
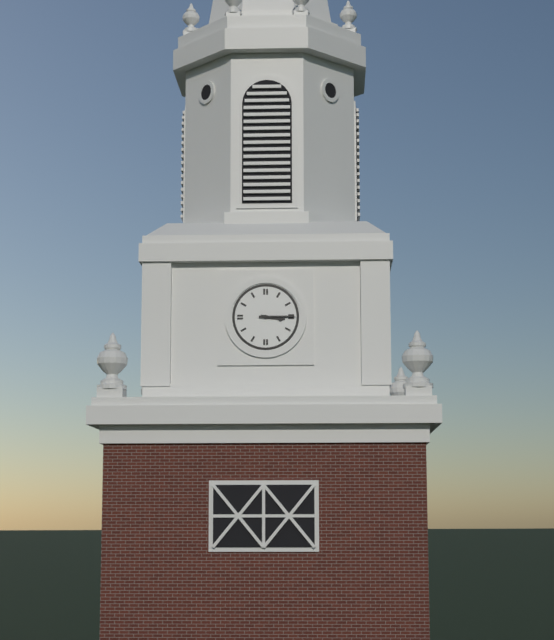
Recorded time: 3h15
